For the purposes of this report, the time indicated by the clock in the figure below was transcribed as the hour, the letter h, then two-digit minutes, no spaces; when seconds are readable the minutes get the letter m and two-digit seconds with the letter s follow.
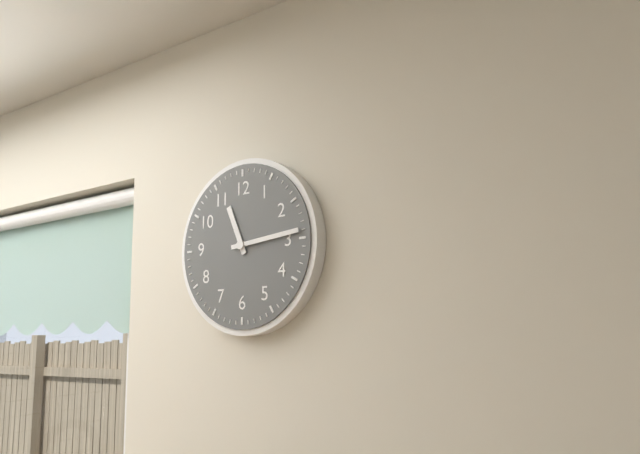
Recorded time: 11h14
